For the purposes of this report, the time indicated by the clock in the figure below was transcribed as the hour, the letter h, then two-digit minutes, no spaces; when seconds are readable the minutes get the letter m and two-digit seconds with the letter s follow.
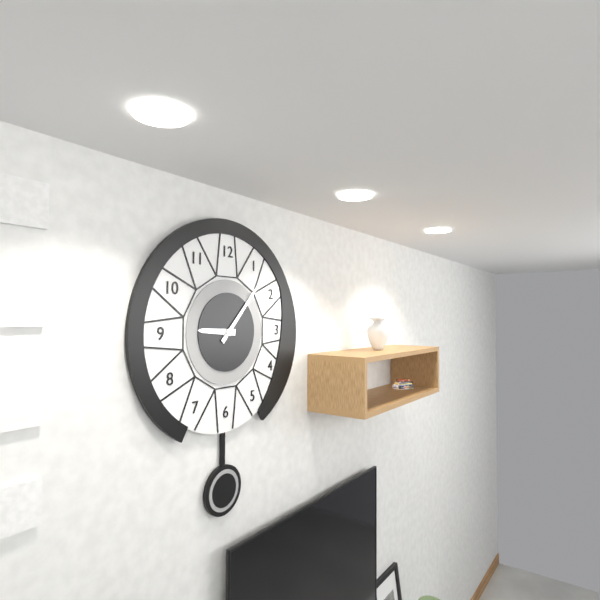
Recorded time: 9h07
